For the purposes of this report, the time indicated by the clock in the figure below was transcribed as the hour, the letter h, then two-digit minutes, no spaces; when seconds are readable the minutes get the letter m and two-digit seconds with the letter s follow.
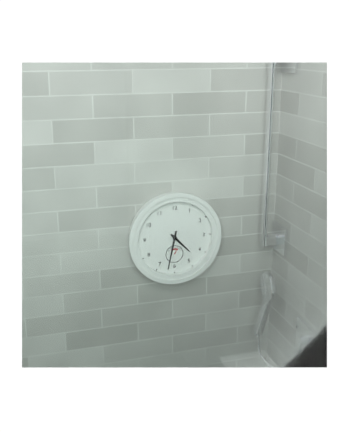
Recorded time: 4h32
